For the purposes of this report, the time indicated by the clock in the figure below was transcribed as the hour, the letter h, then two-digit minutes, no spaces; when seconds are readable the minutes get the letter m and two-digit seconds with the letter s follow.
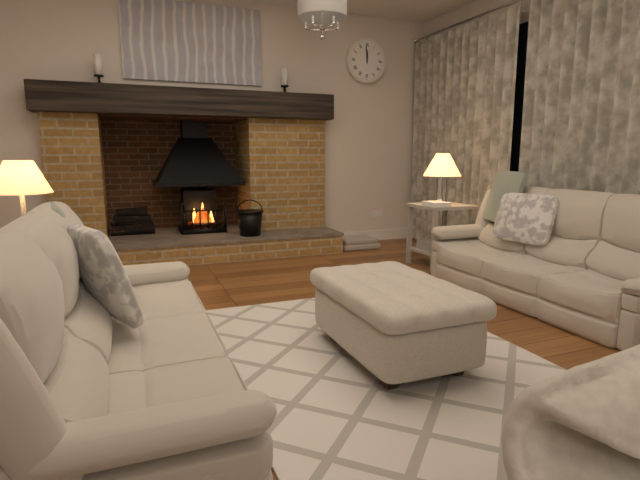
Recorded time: 11h59
